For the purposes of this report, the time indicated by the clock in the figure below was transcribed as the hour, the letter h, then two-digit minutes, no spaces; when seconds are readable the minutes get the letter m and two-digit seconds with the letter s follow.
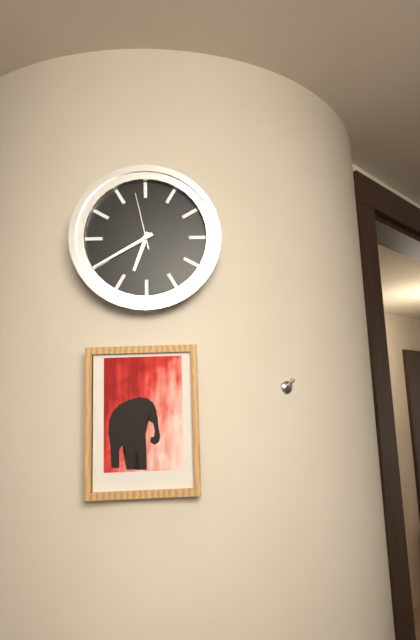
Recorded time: 6h40m58s
